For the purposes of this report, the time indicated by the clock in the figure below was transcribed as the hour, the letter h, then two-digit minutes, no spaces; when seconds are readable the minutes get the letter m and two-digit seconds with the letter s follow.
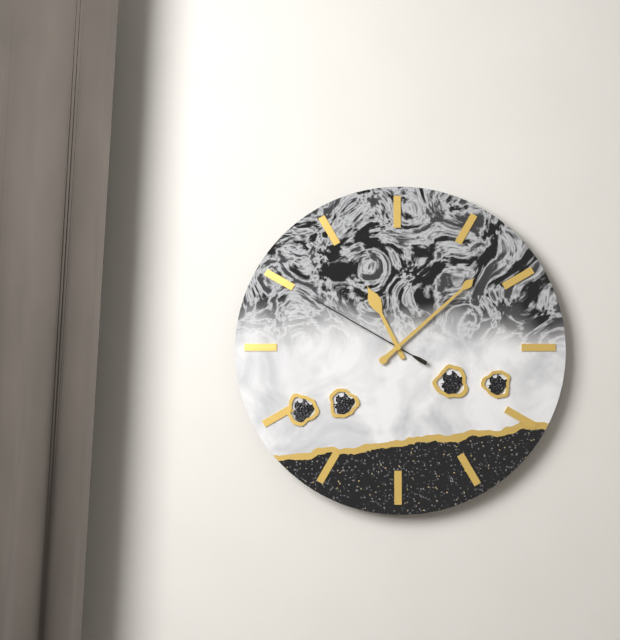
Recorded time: 11h08m50s
